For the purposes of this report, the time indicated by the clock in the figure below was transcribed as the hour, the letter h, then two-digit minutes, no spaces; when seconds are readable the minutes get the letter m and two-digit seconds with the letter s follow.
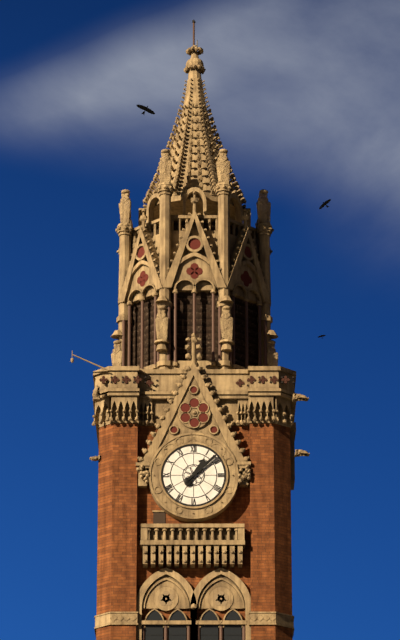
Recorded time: 1h08
